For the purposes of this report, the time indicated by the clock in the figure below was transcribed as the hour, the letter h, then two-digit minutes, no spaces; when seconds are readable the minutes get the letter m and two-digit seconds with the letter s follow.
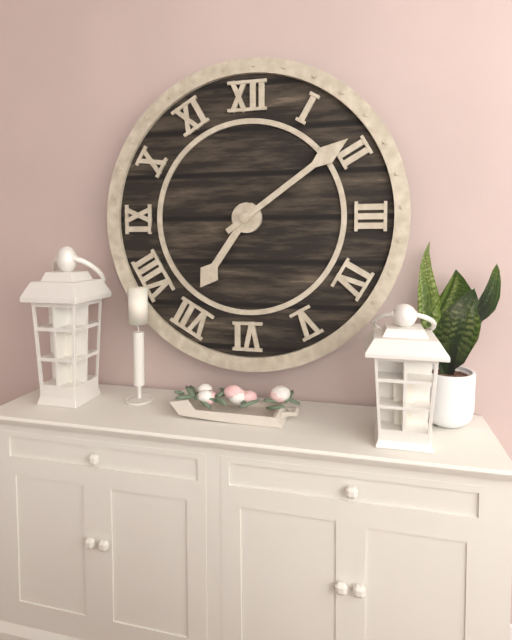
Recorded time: 7h09
